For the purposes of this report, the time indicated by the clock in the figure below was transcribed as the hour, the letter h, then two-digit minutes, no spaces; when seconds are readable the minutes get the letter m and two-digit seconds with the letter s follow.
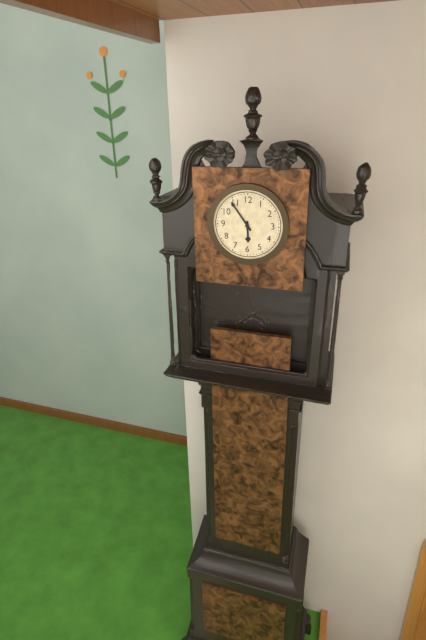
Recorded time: 5h54
